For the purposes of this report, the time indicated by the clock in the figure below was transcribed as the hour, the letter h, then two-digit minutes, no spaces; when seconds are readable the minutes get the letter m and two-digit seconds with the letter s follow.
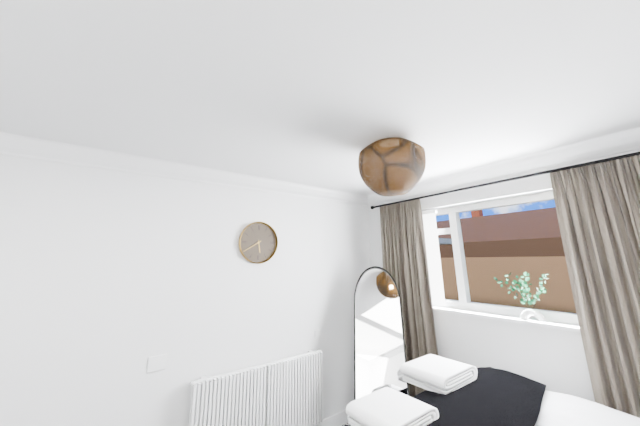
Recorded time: 5h40
